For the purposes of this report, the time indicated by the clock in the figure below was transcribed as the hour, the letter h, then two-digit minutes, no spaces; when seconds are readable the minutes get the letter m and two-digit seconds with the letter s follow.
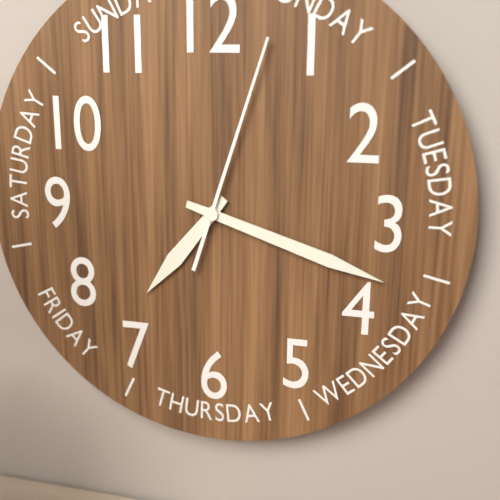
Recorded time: 7h18m03s
